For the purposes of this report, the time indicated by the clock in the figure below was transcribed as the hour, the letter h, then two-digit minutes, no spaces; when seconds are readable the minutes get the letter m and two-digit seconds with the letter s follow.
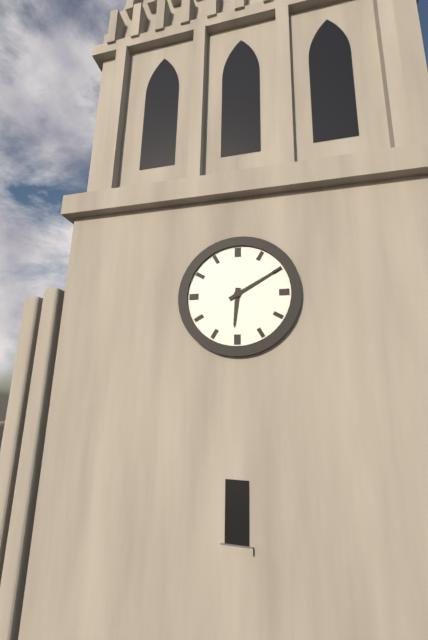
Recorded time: 6h10
